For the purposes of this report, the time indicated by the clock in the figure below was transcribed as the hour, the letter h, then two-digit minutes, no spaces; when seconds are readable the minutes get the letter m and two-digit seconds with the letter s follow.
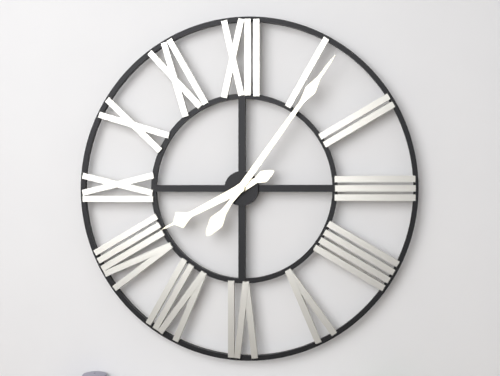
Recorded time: 8h06
